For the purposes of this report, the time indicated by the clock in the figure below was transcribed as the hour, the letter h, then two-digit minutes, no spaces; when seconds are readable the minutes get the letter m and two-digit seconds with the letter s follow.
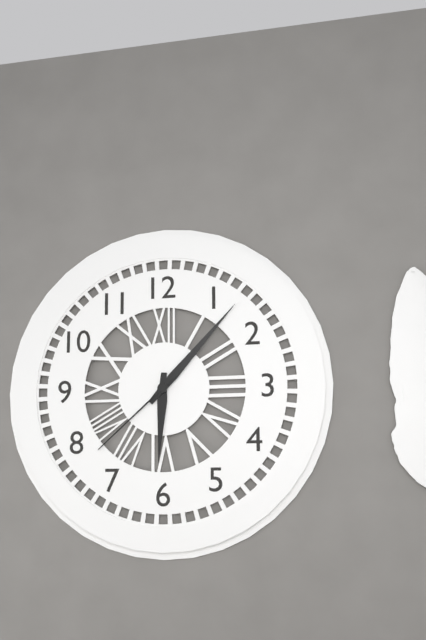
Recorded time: 6h07m38s
